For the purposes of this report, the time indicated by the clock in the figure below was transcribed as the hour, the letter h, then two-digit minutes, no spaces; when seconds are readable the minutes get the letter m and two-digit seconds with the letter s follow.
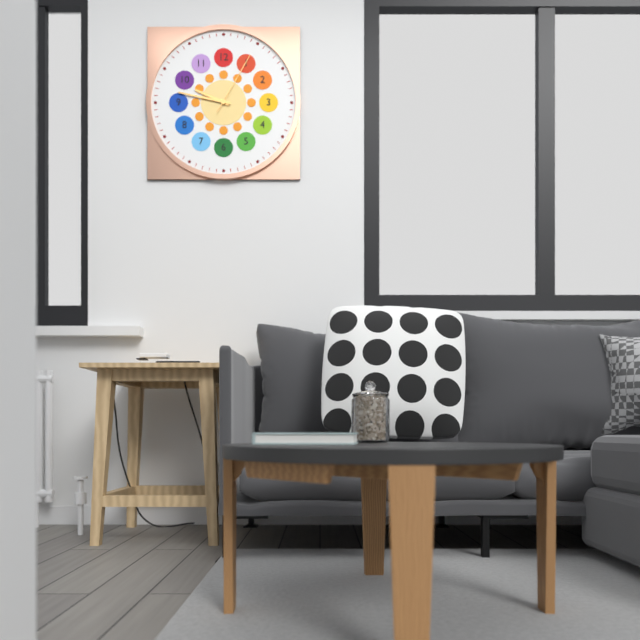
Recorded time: 9h47m05s
